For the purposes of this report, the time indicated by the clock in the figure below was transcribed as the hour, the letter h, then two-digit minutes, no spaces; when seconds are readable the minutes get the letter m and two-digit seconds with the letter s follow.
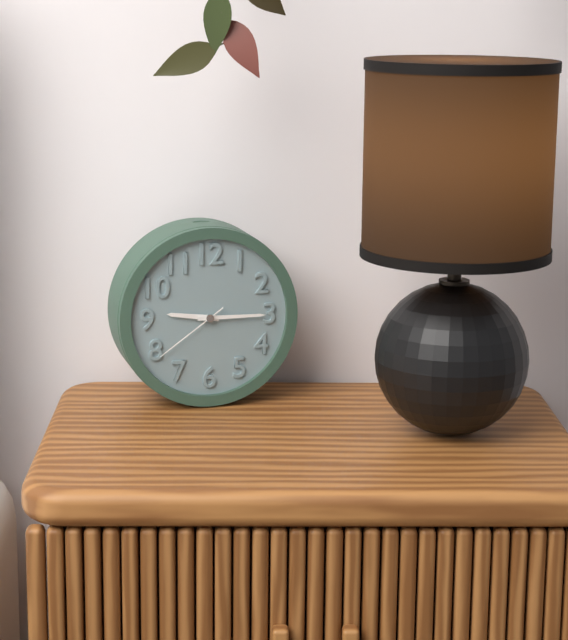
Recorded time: 9h15m39s
